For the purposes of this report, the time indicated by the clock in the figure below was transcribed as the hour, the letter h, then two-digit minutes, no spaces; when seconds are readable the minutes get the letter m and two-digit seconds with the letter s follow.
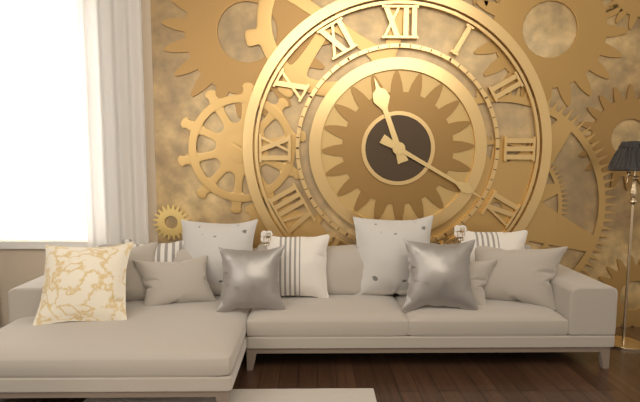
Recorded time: 11h20
